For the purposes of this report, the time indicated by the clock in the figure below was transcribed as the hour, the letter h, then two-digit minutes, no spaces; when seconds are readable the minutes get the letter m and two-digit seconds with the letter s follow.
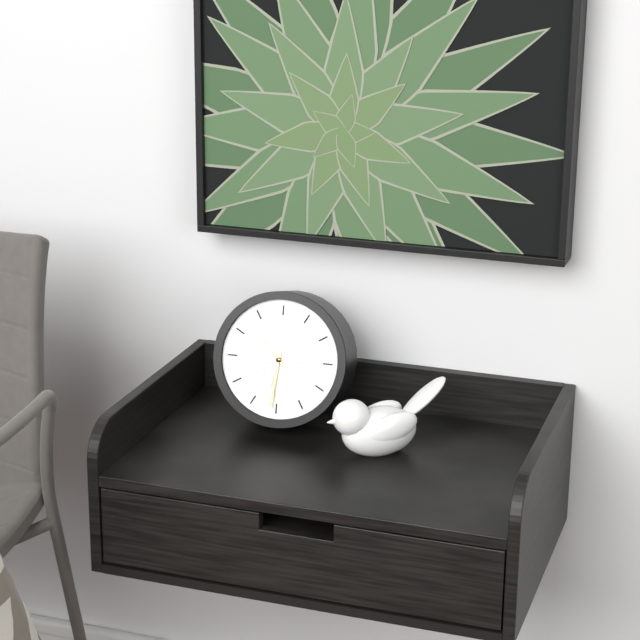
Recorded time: 10h31
